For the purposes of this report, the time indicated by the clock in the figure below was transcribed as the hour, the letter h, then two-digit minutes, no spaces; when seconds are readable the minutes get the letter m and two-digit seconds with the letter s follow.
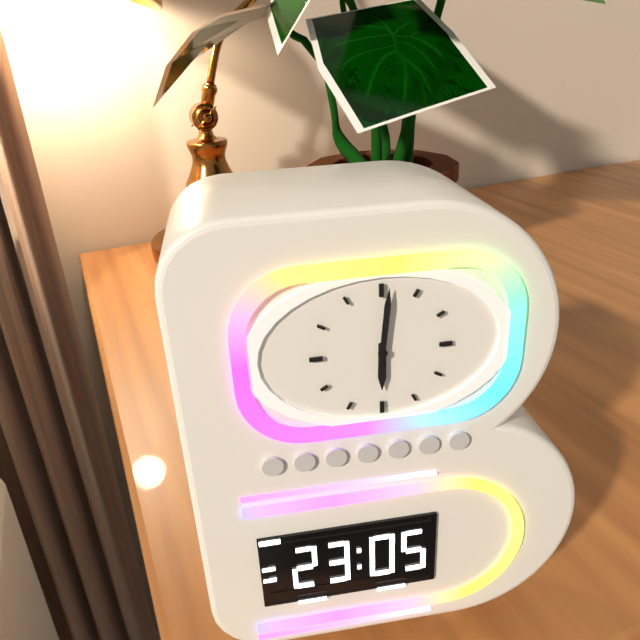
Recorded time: 6h01
